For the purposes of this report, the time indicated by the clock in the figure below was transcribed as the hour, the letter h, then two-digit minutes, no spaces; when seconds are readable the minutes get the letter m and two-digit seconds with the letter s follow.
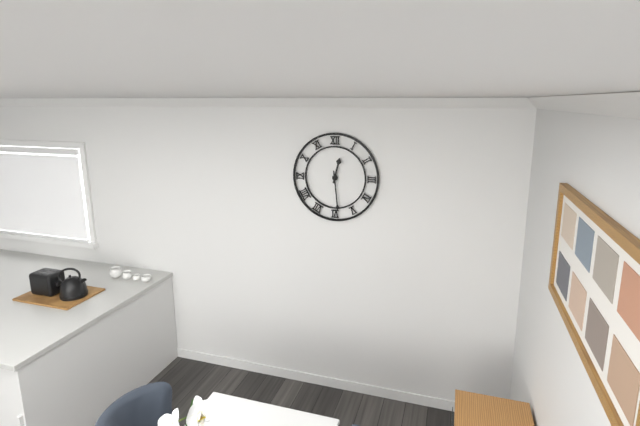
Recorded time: 12h29
